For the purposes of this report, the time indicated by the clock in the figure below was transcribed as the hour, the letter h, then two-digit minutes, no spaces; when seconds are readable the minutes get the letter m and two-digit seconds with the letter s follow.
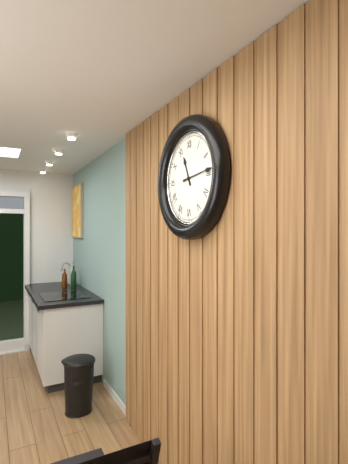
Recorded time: 11h14
